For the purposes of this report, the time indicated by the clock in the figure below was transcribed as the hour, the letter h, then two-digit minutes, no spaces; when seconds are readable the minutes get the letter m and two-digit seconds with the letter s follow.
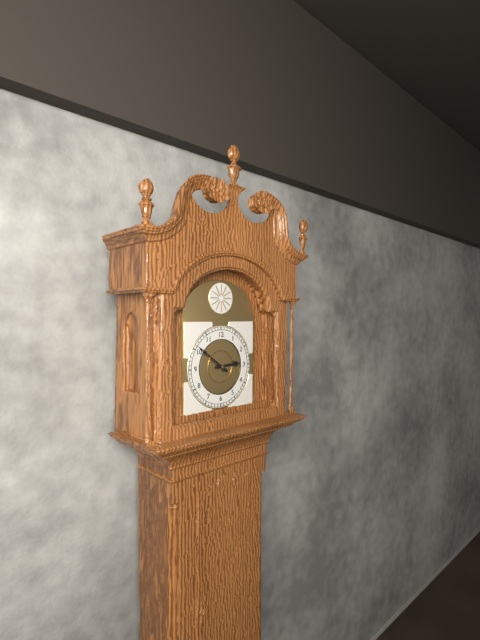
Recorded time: 2h51
